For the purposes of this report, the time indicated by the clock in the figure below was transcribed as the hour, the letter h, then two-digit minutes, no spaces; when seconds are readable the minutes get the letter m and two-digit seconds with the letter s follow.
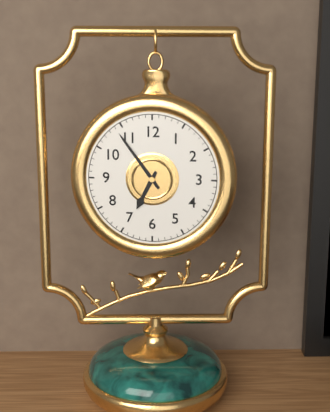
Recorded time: 6h54
